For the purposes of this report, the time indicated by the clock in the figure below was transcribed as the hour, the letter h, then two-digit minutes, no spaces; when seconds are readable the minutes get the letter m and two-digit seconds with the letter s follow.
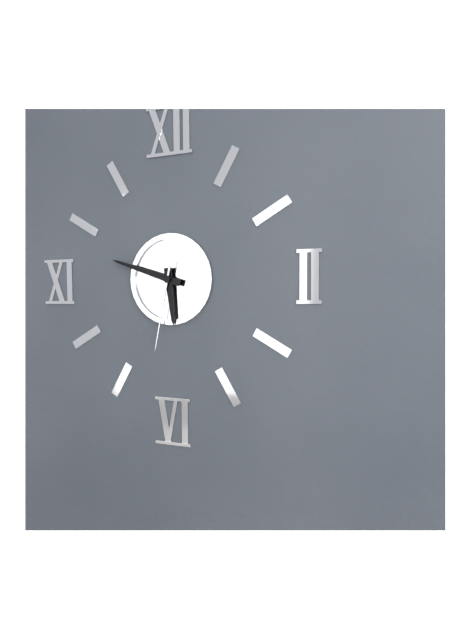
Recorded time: 5h48m32s
